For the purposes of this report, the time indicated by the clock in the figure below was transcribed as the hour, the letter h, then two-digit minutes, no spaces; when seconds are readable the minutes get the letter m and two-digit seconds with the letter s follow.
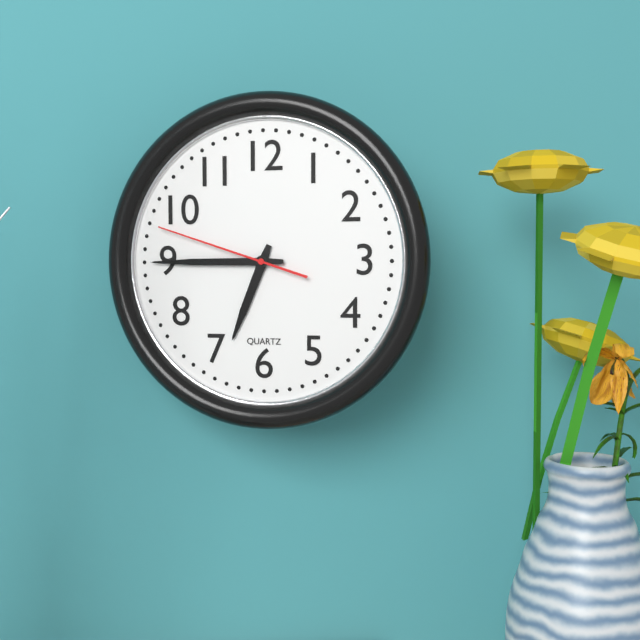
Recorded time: 6h45m48s
